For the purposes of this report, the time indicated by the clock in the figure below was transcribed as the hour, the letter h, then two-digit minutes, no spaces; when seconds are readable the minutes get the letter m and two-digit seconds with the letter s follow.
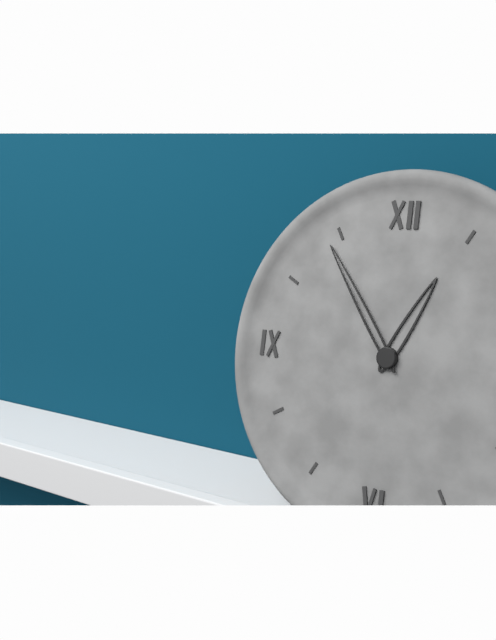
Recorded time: 12h54
